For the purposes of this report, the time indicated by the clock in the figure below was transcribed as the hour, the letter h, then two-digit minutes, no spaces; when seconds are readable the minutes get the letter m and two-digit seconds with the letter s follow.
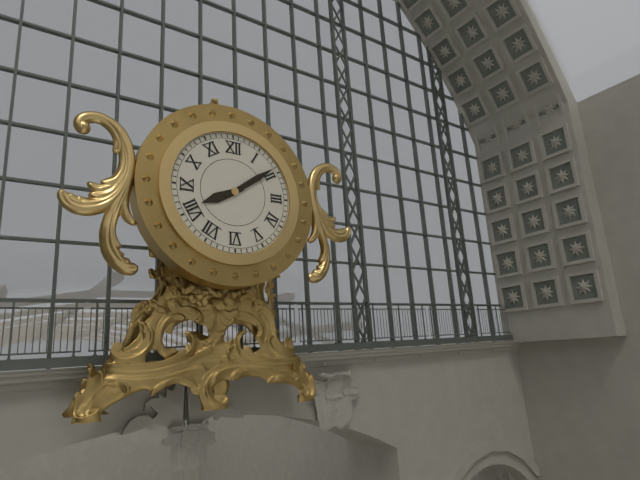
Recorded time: 8h09
